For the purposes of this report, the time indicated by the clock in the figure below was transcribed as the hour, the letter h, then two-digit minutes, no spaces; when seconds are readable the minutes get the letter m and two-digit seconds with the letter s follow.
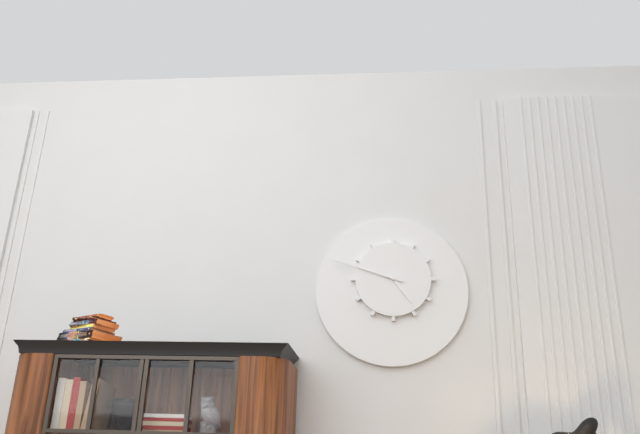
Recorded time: 4h48
